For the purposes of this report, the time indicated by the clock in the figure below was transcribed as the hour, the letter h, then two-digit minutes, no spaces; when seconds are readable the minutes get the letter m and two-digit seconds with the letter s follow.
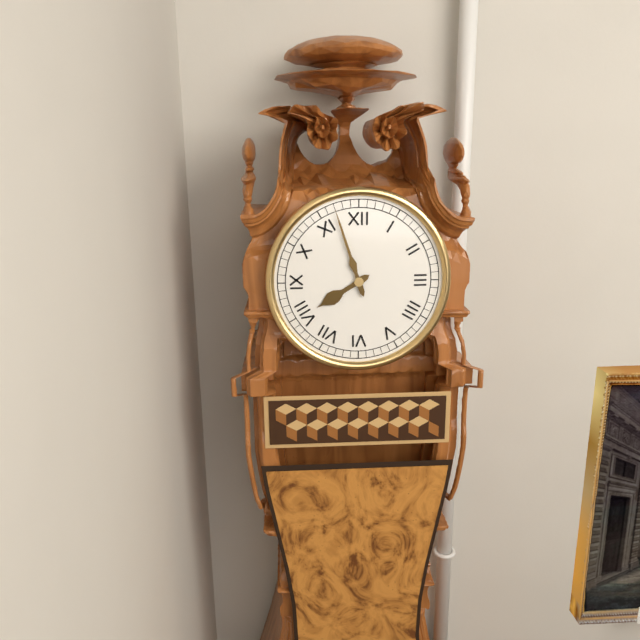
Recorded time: 7h57
